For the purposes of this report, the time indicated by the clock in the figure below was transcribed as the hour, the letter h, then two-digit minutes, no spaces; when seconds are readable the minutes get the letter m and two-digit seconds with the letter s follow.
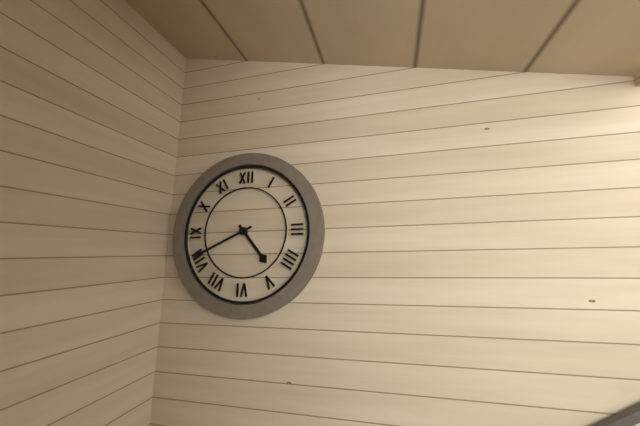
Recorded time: 4h41
